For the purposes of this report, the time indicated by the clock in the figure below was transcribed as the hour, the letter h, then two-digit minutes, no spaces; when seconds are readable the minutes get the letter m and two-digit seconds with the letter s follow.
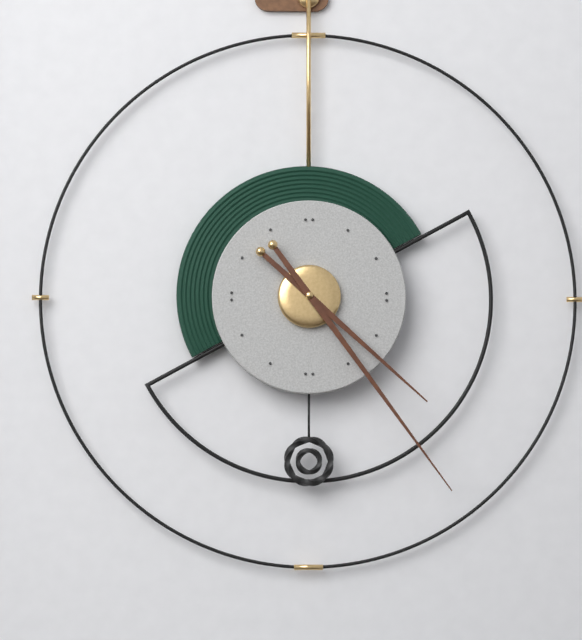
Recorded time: 4h24
